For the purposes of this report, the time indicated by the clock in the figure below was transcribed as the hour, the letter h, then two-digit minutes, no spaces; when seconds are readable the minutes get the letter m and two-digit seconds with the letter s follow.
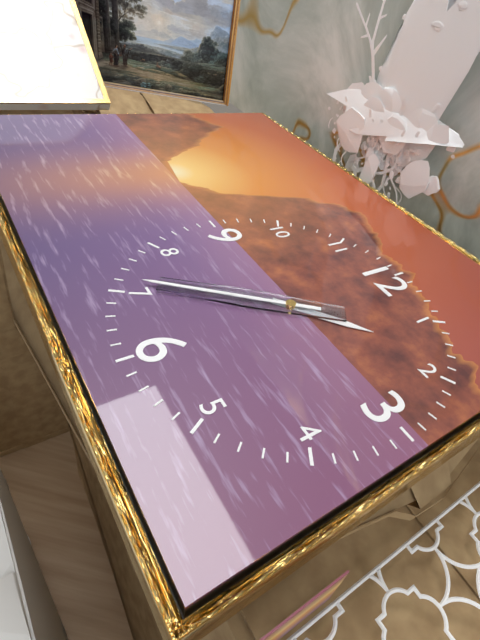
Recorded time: 1h36
